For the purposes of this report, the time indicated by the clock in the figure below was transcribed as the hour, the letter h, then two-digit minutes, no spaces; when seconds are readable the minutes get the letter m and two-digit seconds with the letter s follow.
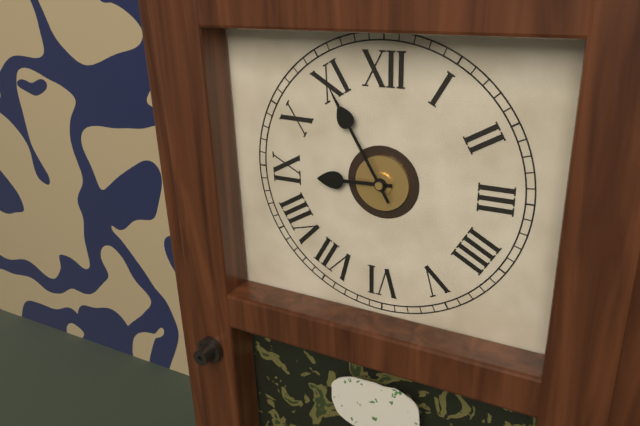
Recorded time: 8h55
